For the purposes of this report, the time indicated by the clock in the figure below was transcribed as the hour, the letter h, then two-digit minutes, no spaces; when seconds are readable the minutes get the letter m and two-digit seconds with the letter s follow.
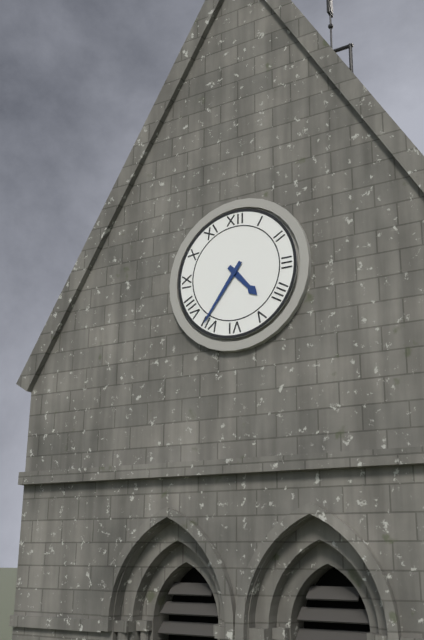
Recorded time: 4h36
